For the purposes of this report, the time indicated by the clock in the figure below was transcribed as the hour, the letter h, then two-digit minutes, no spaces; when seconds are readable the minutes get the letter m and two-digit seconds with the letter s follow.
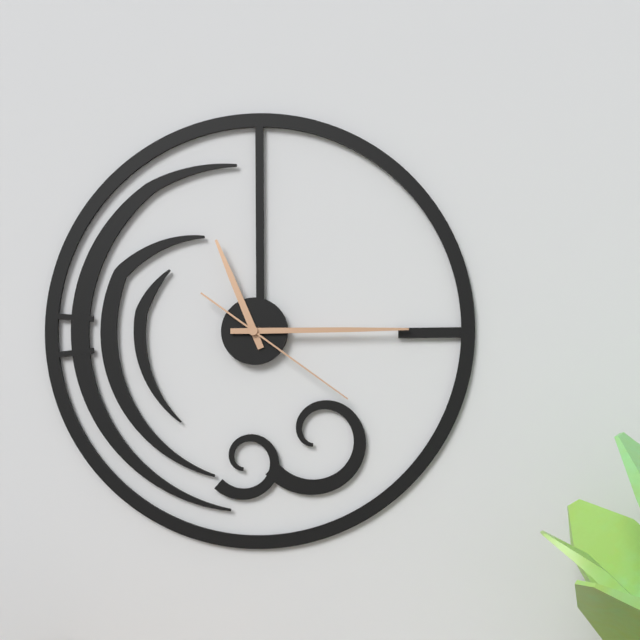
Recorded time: 11h15m21s
